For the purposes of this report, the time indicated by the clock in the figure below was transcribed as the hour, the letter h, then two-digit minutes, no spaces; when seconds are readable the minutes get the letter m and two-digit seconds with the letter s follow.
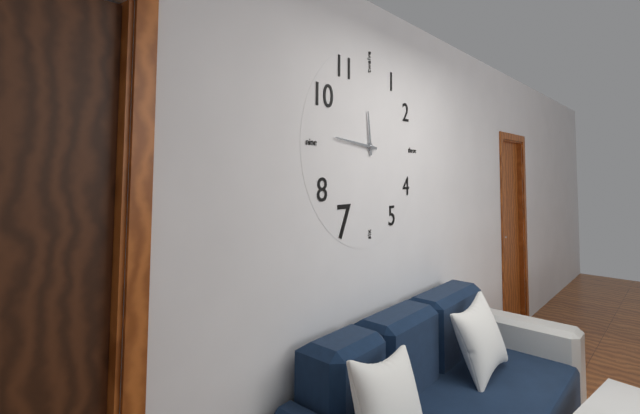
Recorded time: 11h46
